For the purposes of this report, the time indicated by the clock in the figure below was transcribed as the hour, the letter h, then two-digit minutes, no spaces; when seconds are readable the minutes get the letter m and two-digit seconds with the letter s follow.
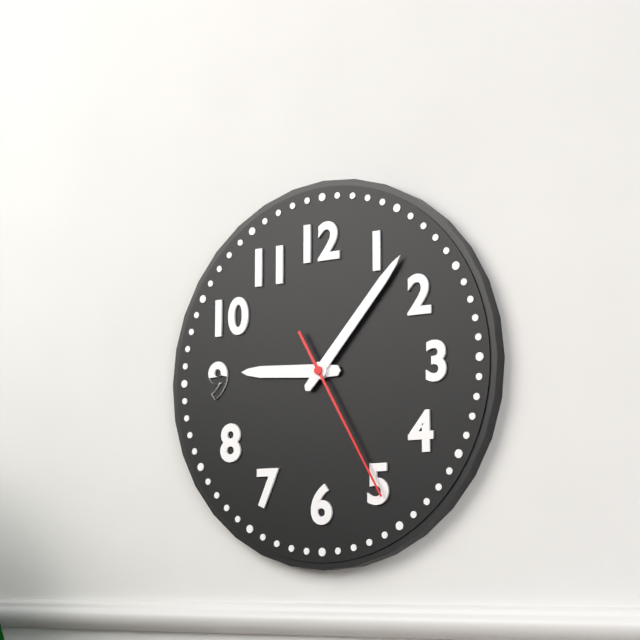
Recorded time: 9h07m25s
